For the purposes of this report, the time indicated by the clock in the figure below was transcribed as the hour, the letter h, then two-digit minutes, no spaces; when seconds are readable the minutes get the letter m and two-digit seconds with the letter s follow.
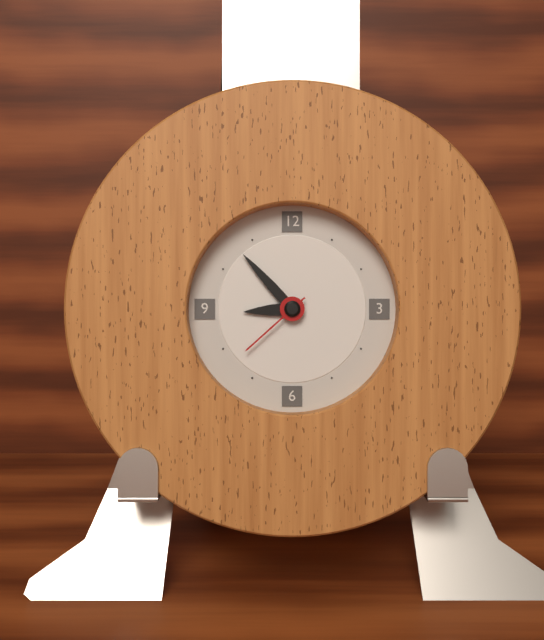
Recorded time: 8h53m38s
